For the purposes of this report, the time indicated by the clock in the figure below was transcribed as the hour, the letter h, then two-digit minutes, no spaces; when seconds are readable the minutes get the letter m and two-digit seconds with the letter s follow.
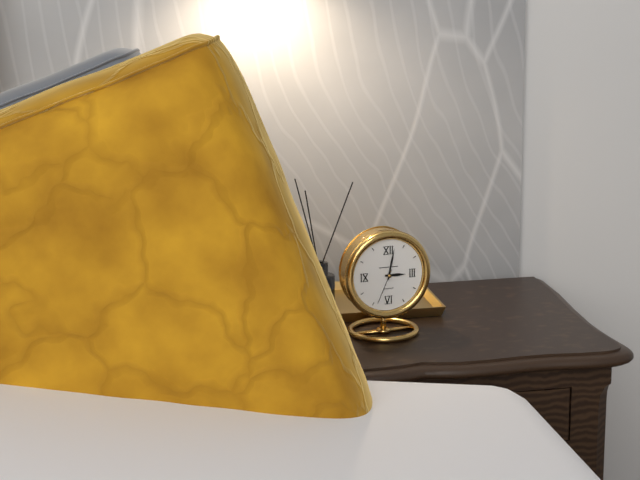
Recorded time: 3h02
